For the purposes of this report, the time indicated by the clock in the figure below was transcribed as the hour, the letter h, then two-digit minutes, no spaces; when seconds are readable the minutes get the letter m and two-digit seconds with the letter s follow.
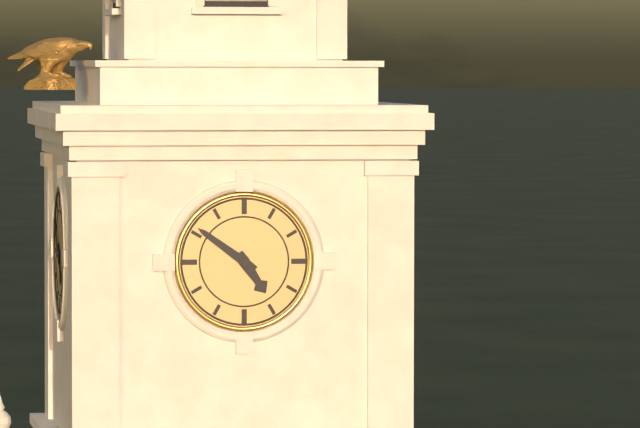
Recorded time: 4h51
